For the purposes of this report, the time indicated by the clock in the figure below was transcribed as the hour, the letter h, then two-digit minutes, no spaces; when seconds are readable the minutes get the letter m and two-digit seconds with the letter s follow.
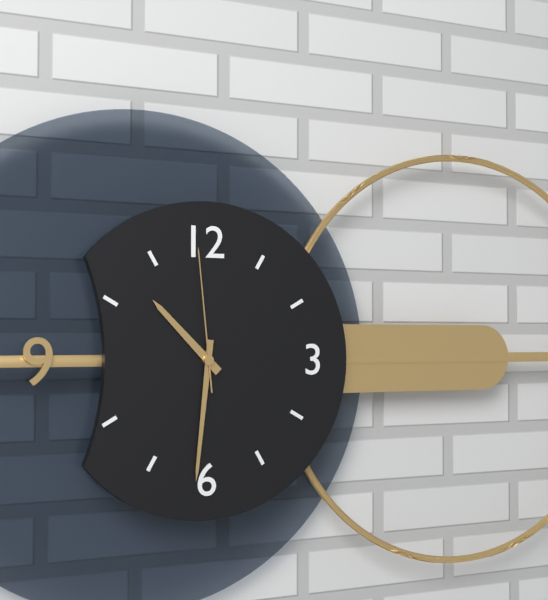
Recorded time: 10h31m59s
